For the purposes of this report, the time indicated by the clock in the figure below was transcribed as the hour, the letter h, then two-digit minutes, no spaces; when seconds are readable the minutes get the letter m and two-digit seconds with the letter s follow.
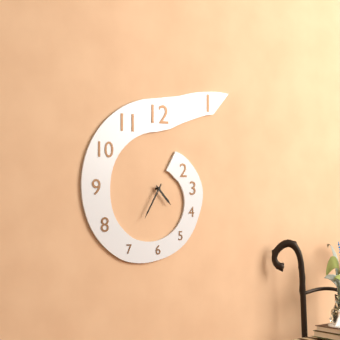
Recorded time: 4h35
